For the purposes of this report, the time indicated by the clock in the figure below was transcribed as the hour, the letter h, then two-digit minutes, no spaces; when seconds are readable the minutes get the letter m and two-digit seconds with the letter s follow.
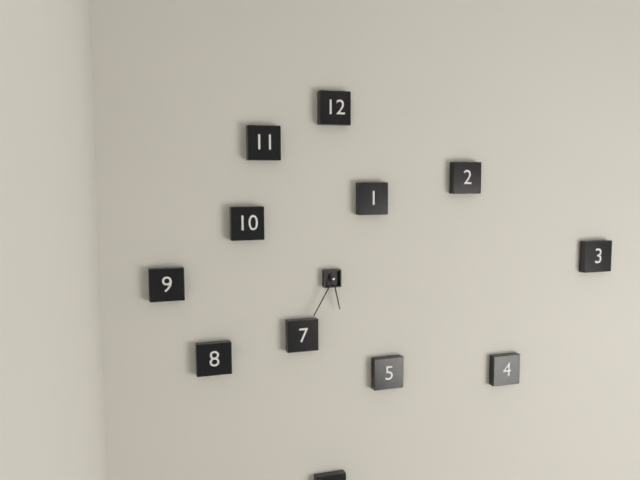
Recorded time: 5h35
